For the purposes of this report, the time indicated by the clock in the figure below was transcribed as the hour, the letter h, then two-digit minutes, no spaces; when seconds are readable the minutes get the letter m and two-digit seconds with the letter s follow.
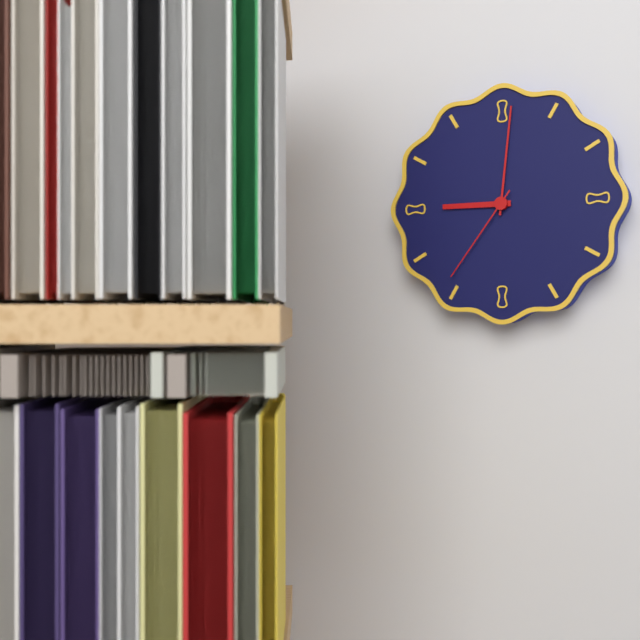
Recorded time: 9h01m36s
